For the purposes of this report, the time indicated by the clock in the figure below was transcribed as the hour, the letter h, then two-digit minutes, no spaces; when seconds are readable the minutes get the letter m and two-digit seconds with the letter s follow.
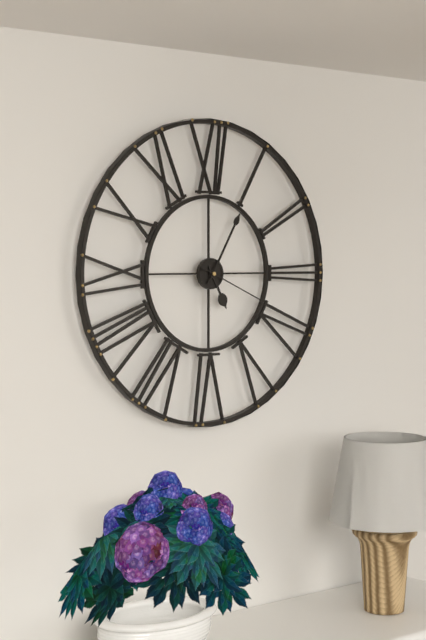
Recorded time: 5h05m19s
